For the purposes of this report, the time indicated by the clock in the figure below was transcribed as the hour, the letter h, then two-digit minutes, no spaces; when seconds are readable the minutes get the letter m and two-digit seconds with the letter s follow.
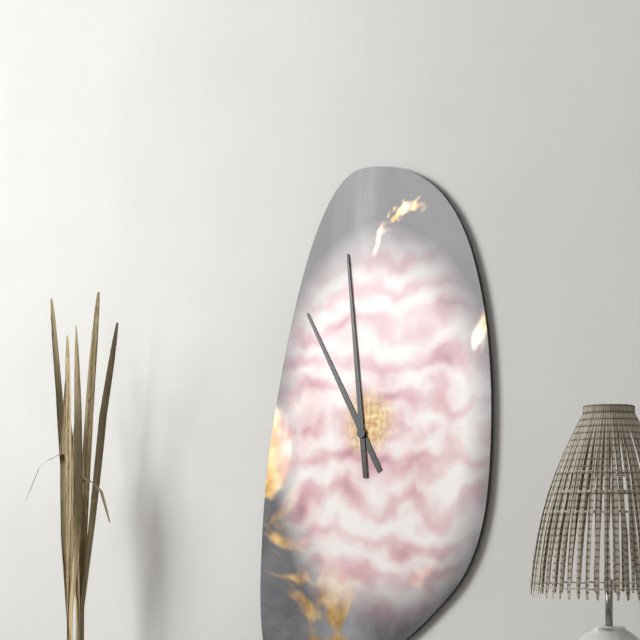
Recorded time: 10h59
